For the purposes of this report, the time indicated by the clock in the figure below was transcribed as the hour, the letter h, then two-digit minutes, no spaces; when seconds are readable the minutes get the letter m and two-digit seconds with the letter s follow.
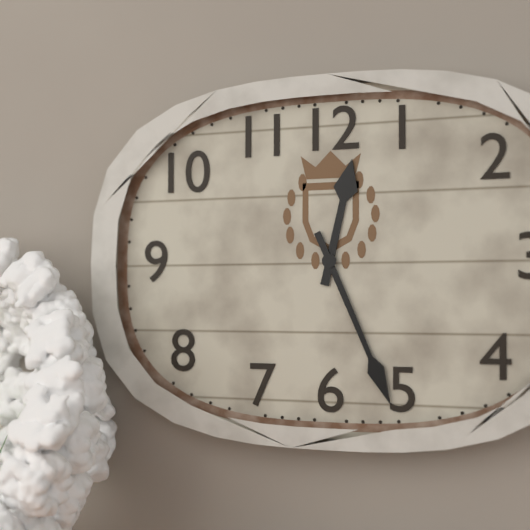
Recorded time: 12h26
